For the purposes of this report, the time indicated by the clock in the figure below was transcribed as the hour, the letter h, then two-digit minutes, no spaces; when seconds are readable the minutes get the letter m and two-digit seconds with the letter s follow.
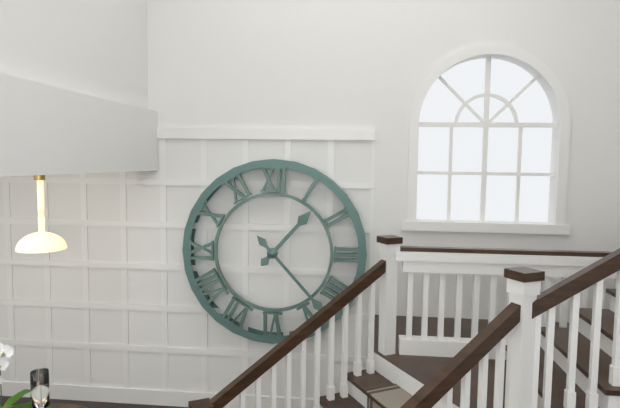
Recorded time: 1h23
